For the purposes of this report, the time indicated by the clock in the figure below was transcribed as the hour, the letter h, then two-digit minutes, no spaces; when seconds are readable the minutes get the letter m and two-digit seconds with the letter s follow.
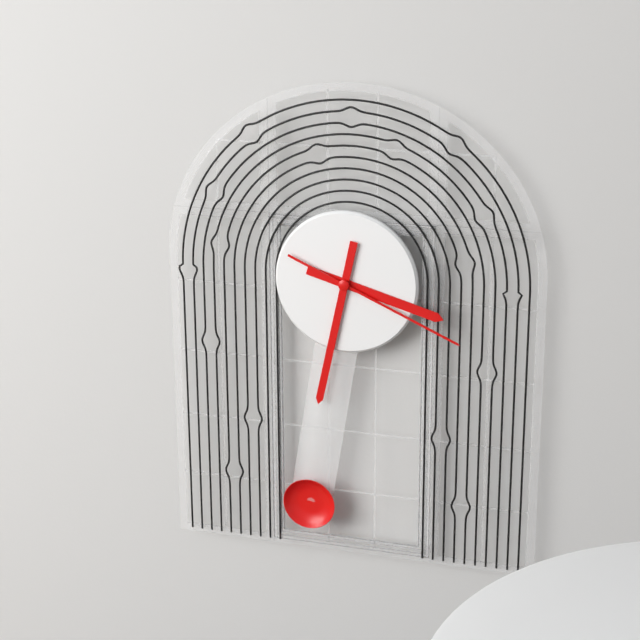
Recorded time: 3h32m19s
